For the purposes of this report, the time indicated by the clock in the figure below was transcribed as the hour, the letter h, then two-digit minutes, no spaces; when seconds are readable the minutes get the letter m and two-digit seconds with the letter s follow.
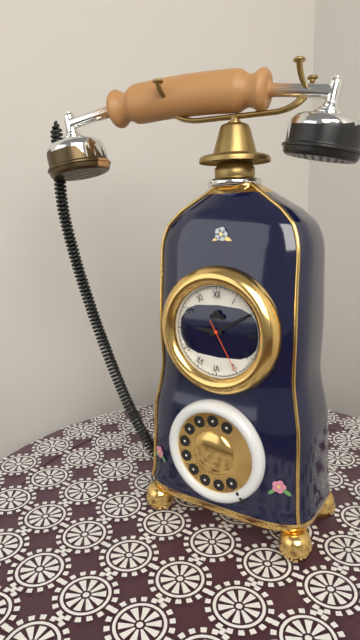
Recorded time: 9h10m25s
